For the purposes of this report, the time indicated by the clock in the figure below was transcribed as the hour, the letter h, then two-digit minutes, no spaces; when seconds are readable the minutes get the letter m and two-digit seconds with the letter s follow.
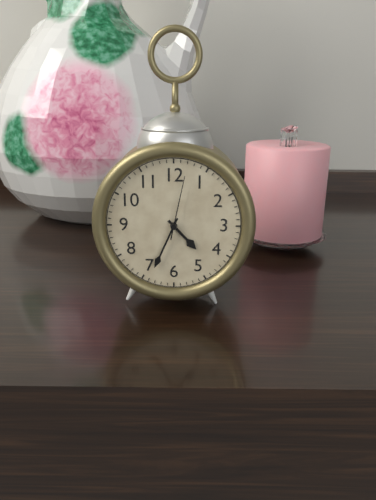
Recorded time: 4h34m02s
